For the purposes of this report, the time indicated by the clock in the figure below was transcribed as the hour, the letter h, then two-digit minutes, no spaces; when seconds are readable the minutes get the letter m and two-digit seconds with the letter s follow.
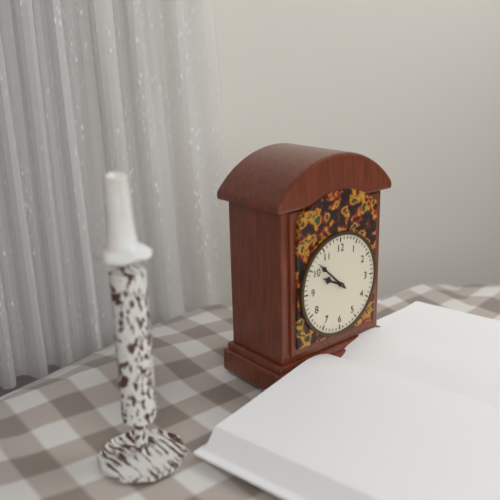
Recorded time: 9h52
